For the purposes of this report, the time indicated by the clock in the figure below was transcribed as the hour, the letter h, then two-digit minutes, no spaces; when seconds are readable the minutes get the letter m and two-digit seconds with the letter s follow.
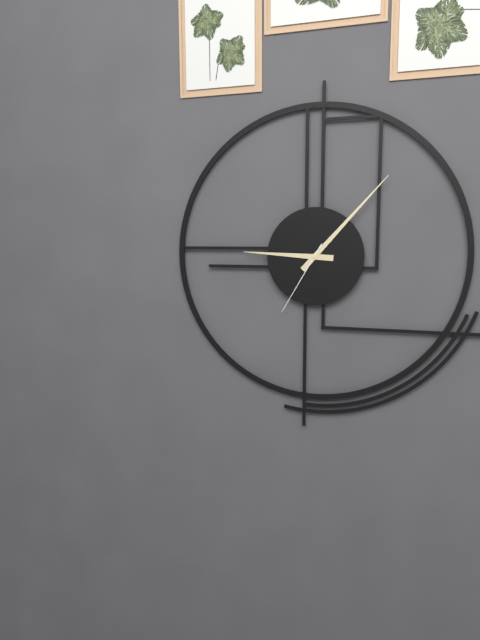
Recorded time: 9h07m35s
